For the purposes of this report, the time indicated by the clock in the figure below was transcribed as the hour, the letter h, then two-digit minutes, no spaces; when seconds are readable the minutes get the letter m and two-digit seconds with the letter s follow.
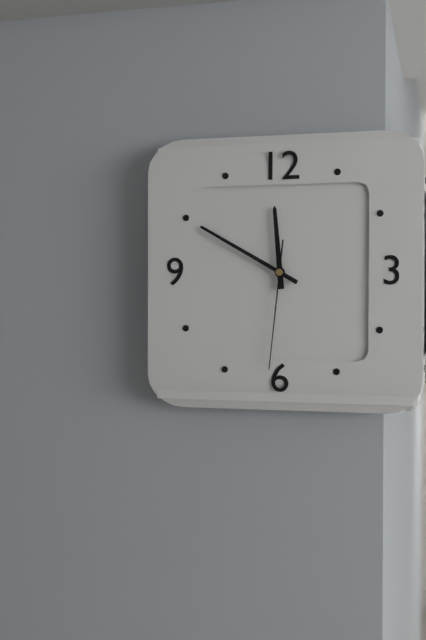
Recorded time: 11h50m31s
